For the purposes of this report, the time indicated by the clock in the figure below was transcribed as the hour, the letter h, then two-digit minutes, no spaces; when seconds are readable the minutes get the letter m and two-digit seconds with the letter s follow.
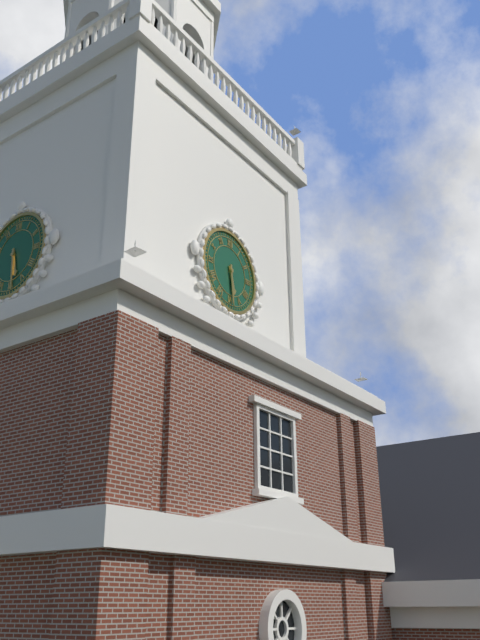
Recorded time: 5h29
